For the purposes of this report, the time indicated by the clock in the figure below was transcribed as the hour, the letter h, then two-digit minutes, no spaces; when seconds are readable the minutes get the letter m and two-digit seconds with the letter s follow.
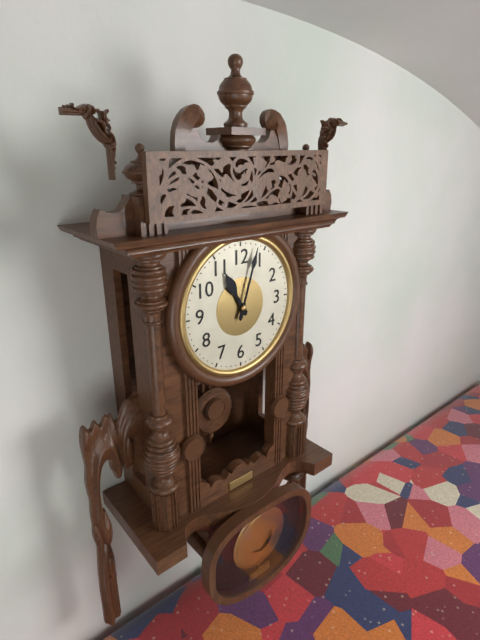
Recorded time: 11h03
